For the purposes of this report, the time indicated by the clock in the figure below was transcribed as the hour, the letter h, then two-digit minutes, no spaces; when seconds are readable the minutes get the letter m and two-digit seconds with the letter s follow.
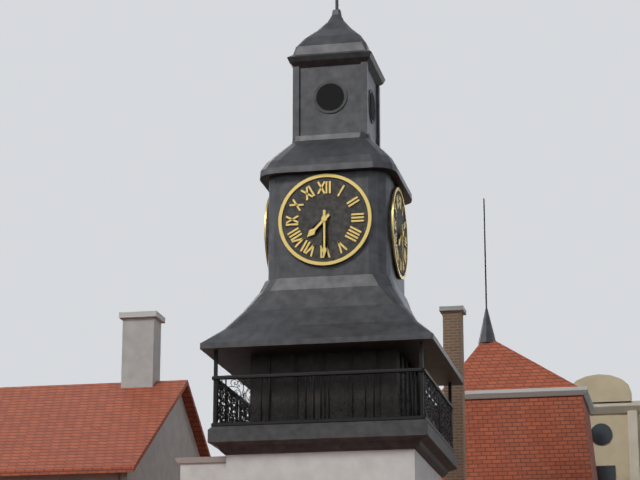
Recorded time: 7h30
